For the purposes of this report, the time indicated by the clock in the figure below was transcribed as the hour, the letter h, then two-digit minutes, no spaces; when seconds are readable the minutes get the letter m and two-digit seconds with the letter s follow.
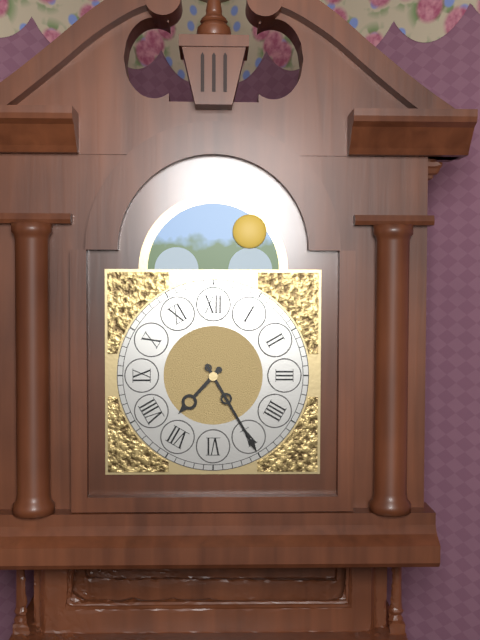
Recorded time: 7h25
